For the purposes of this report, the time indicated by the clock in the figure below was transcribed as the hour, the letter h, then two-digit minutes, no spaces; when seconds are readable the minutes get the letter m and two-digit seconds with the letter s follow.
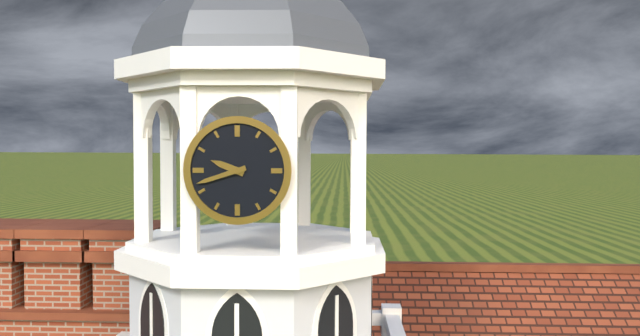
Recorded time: 9h42
